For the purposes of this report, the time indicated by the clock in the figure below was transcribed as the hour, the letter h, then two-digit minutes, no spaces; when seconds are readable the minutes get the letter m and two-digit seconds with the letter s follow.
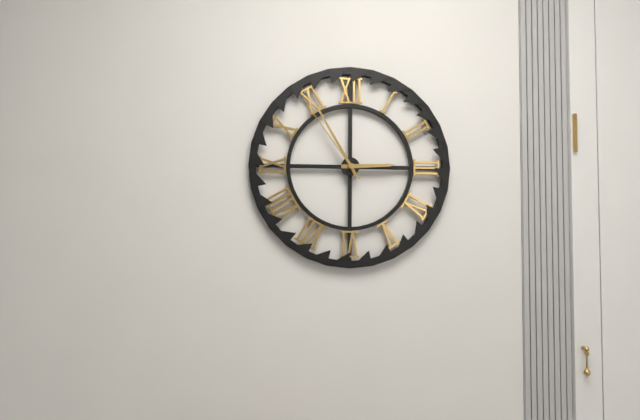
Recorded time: 2h55m54s
